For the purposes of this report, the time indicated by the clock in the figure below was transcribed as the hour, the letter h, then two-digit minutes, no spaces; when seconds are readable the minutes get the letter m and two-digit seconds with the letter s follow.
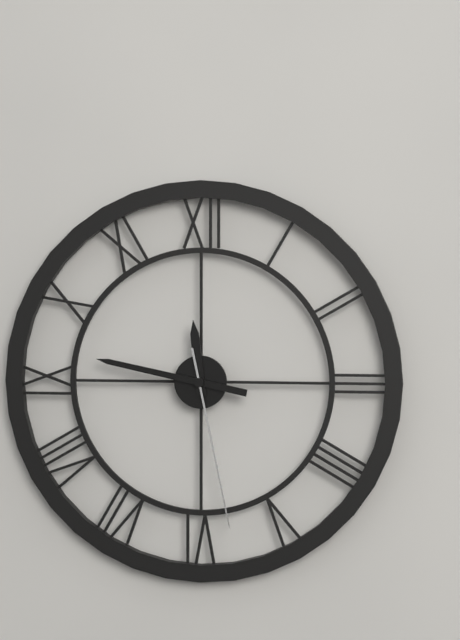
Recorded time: 11h47m28s
